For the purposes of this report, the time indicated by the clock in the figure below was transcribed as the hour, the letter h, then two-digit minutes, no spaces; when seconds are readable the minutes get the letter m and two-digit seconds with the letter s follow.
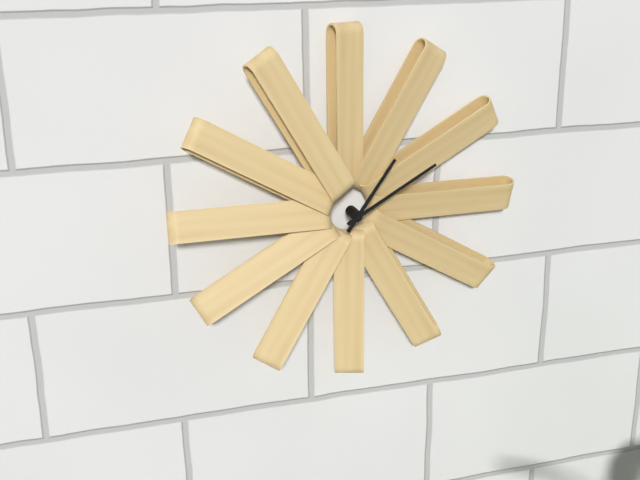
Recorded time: 1h10
